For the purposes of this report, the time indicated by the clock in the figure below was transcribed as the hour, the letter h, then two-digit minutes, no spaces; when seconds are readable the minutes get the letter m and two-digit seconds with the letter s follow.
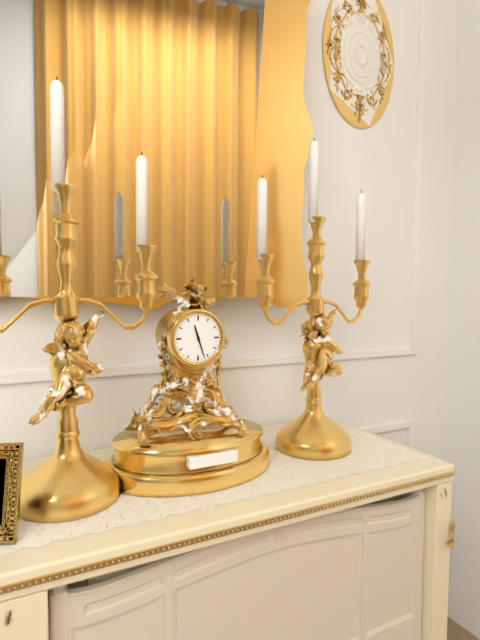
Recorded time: 11h27
